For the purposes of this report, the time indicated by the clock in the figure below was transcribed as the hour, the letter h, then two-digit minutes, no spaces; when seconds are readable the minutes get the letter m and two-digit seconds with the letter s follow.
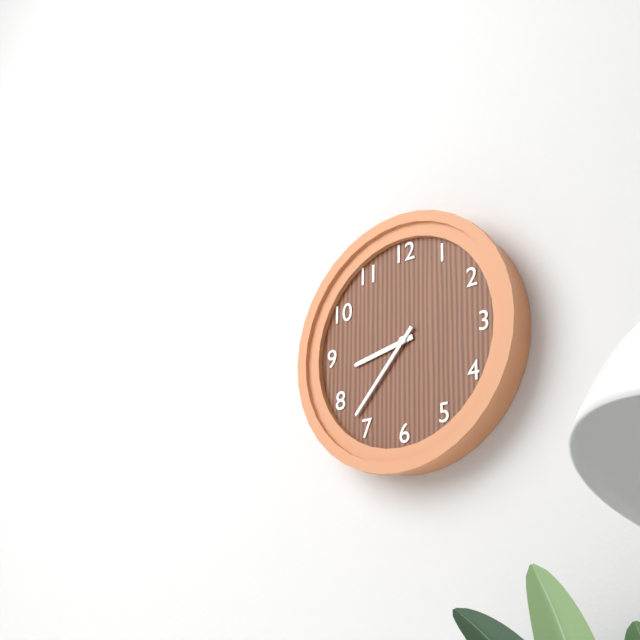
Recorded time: 8h37
